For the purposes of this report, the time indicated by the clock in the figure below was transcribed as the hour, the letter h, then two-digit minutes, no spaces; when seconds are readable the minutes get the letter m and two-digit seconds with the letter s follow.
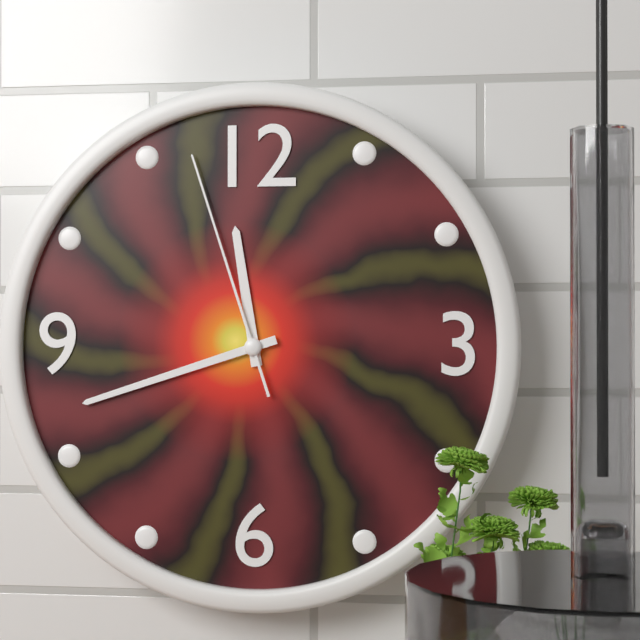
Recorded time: 11h42m57s
